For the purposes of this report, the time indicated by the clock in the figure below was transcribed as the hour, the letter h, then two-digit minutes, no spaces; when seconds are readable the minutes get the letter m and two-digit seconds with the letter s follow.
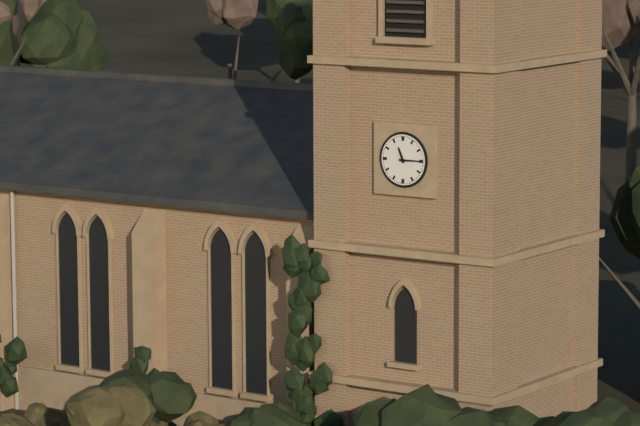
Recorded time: 11h15
